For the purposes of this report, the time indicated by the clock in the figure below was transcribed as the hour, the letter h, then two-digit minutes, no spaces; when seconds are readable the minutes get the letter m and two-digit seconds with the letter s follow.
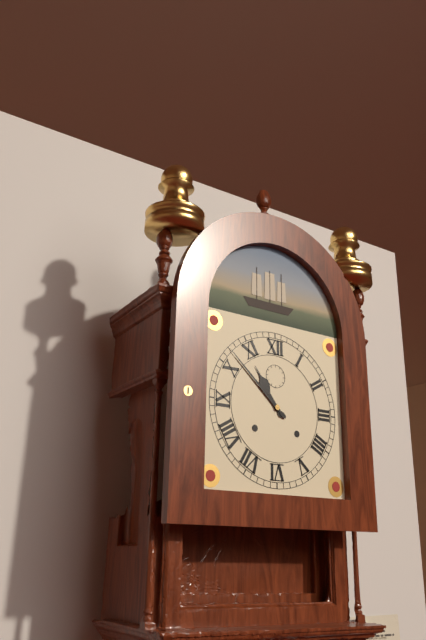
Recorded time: 10h52
